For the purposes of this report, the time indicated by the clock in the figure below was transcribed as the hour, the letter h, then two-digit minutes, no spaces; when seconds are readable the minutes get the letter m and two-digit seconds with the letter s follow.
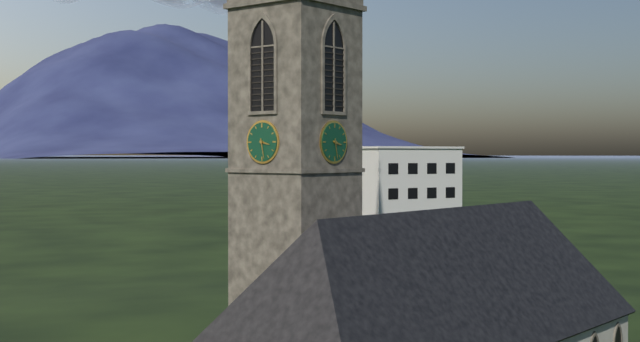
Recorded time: 3h28
